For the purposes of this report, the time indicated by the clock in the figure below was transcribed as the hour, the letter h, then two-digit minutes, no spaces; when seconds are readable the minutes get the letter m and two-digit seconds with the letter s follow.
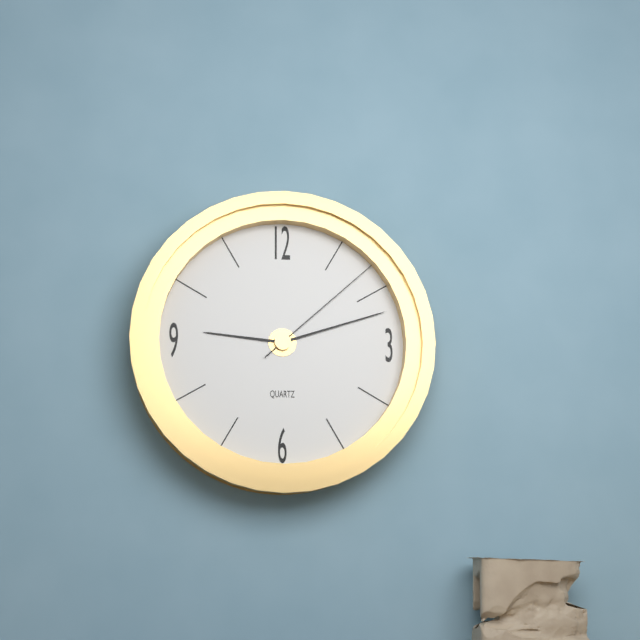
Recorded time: 9h12m08s
